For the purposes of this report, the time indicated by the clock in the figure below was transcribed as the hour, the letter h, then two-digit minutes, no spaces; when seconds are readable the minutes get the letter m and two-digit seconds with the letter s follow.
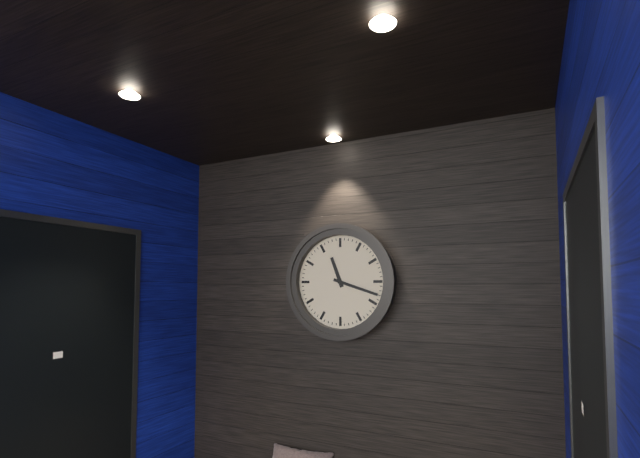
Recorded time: 11h18
